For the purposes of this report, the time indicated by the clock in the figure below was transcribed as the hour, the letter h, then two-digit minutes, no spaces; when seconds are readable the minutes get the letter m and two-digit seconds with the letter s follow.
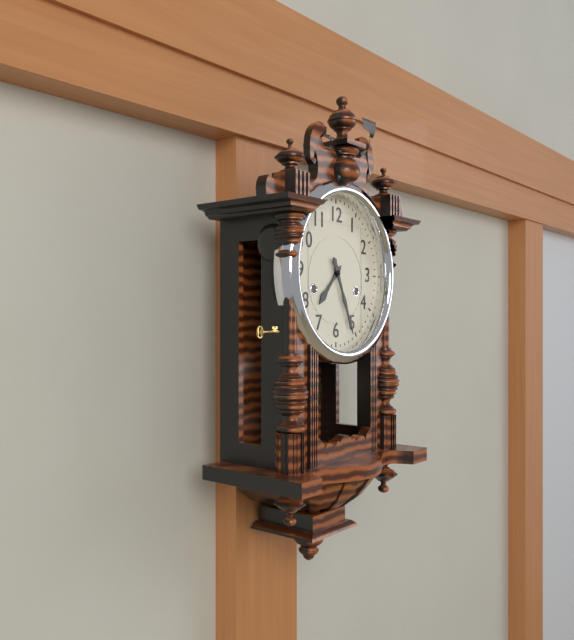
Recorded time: 7h26
